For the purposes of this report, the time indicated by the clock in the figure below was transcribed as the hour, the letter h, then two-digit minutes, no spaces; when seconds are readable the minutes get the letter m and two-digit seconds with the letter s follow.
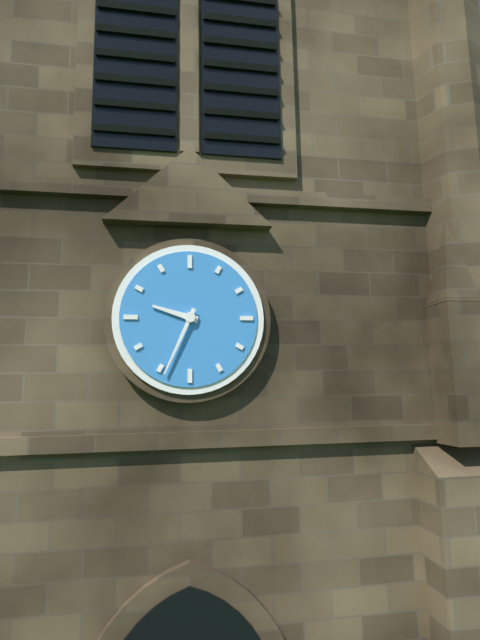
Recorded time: 9h34
